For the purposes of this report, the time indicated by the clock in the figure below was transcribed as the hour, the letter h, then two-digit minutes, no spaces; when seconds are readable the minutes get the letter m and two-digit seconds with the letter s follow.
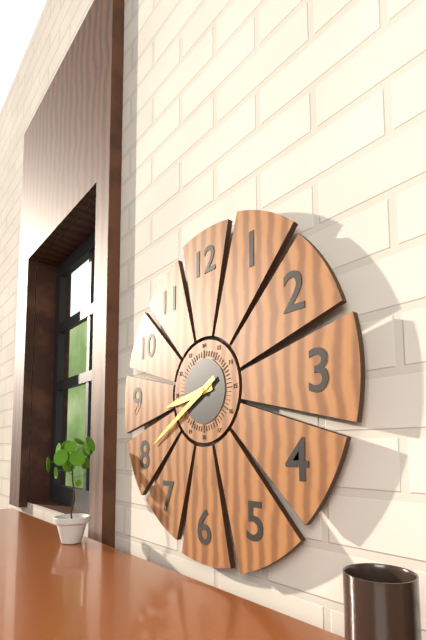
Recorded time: 8h40
